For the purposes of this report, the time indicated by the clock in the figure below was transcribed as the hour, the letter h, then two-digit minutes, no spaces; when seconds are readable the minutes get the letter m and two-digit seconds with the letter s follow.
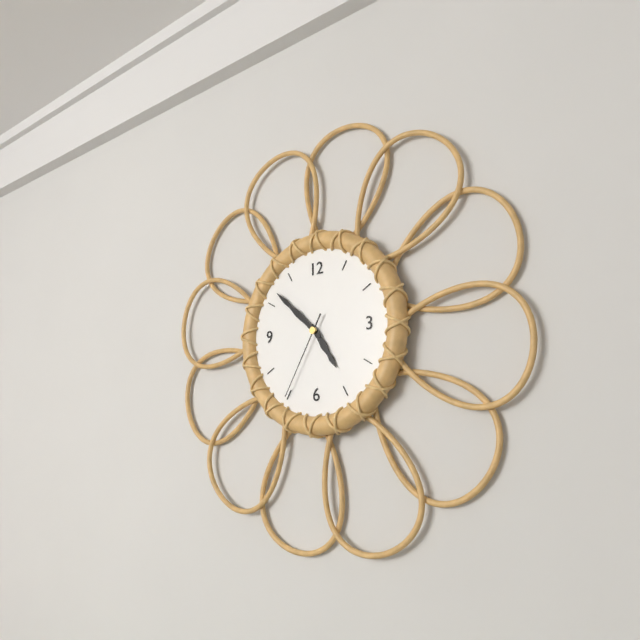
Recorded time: 4h52m35s
